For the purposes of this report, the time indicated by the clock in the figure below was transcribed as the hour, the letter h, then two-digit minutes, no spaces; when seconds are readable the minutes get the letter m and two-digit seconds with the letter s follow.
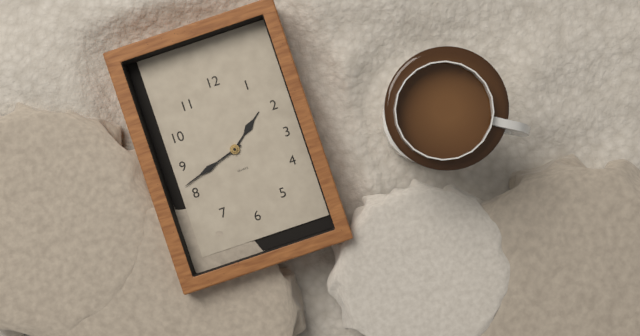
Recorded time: 1h42
